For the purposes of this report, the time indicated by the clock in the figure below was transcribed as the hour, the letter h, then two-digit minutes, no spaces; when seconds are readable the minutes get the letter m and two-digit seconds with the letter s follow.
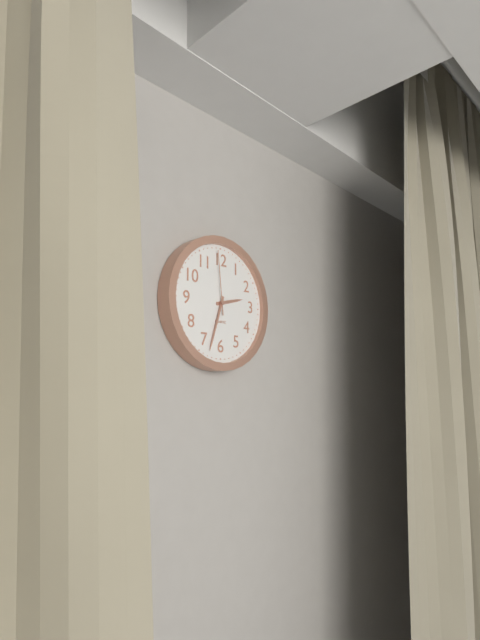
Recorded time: 2h33m59s
